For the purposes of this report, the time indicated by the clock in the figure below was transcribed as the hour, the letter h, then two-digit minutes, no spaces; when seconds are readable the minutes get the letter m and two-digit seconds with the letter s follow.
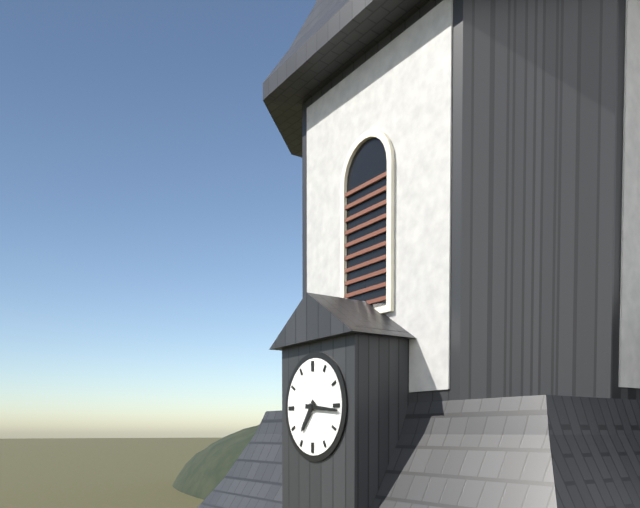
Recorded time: 7h16
